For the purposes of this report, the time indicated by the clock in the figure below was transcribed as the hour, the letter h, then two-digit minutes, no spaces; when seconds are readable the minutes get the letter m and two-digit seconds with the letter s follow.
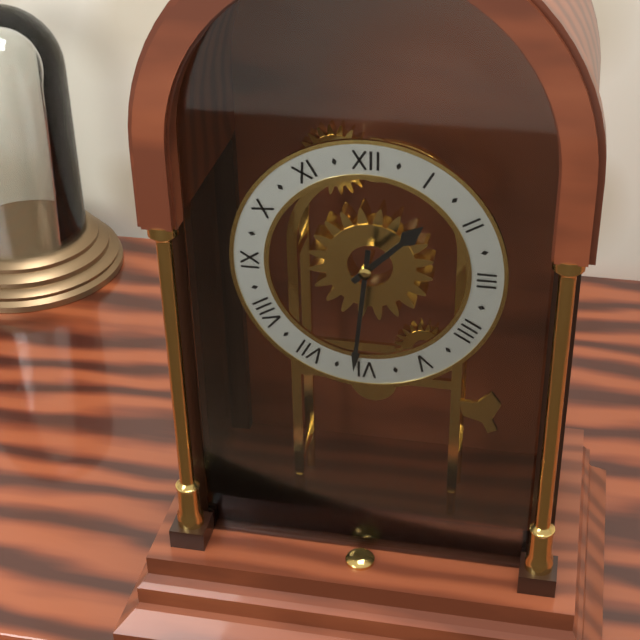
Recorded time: 1h31
